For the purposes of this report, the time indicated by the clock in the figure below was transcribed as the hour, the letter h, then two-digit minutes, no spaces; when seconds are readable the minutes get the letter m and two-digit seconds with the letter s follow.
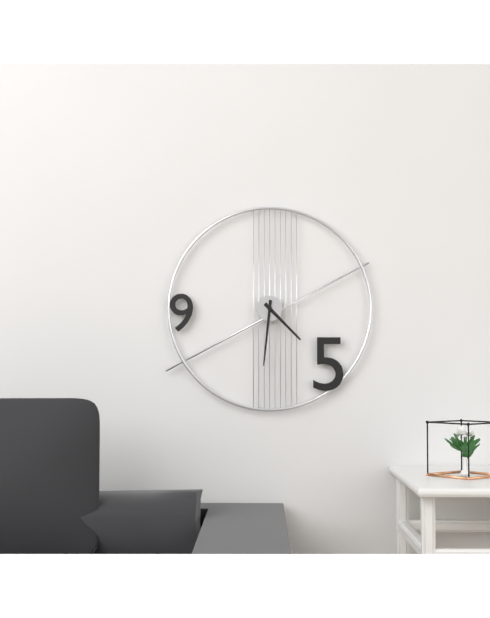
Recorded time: 4h31
